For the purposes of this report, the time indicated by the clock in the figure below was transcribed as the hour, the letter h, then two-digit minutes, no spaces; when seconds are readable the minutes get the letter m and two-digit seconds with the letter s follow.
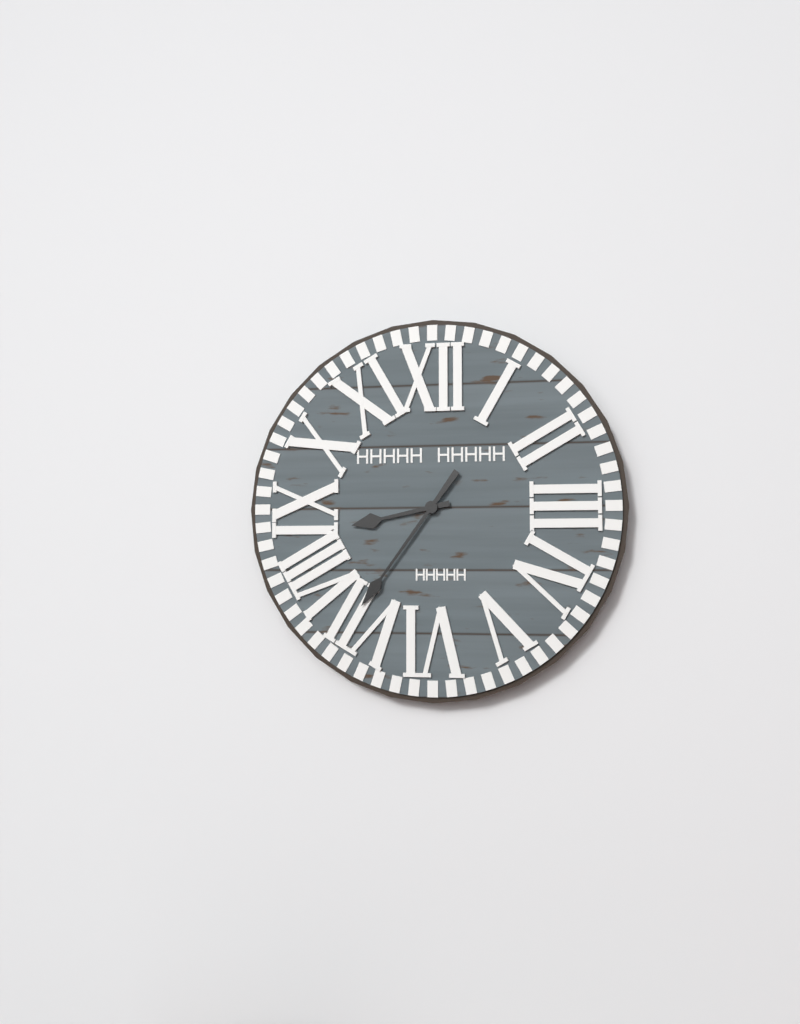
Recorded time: 8h36
